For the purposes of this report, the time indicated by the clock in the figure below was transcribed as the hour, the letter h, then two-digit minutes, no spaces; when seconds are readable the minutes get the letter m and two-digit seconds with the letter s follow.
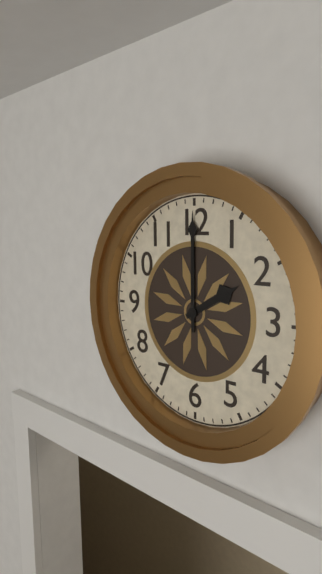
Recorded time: 2h00
